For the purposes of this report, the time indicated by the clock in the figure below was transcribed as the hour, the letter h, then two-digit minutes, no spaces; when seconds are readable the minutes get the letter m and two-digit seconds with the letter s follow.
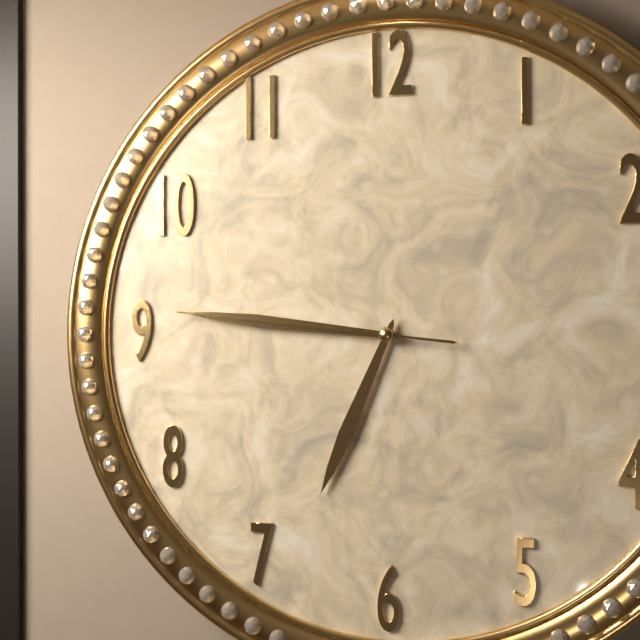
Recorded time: 6h46m46s
